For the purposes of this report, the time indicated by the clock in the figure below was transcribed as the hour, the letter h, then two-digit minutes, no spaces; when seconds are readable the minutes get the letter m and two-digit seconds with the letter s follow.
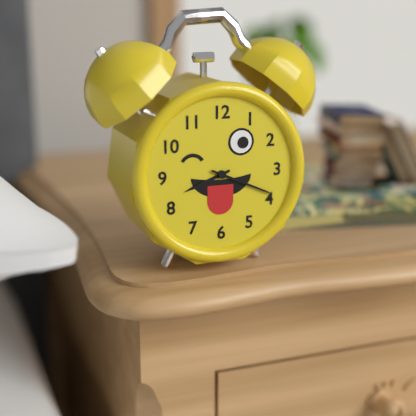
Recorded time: 8h19
